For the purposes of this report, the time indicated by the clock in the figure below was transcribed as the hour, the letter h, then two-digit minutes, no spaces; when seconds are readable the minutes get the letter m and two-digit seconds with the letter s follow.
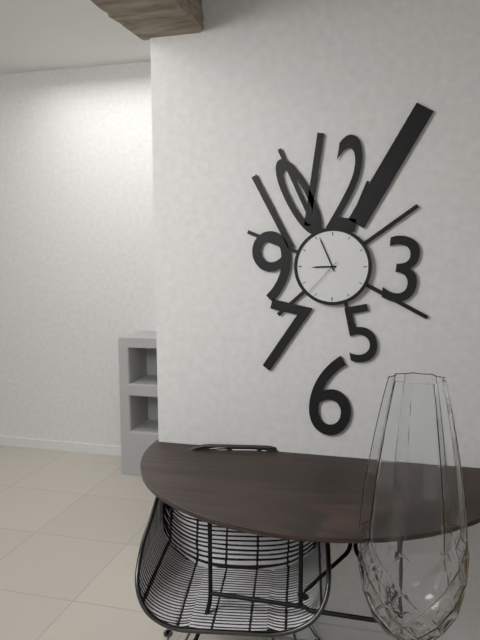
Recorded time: 8h56
